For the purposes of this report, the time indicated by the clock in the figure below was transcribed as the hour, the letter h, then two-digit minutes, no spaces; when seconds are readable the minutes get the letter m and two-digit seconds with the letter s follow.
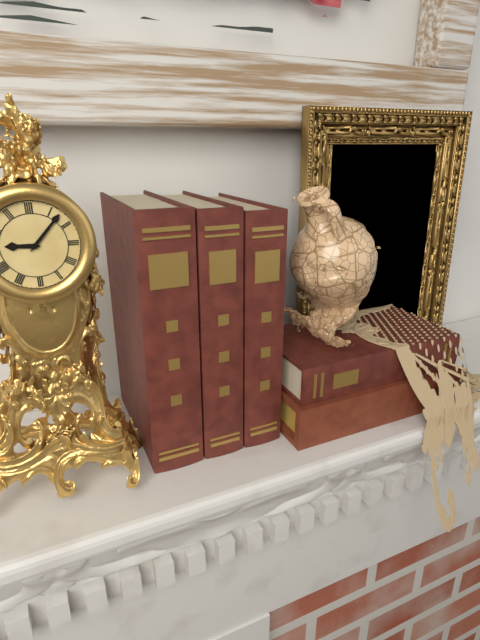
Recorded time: 9h07
